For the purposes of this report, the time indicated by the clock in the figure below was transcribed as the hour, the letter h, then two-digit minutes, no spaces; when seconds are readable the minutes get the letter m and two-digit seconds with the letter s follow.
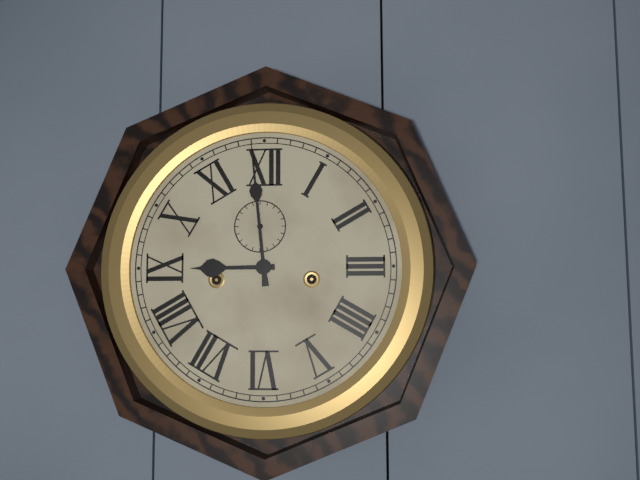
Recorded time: 8h59
